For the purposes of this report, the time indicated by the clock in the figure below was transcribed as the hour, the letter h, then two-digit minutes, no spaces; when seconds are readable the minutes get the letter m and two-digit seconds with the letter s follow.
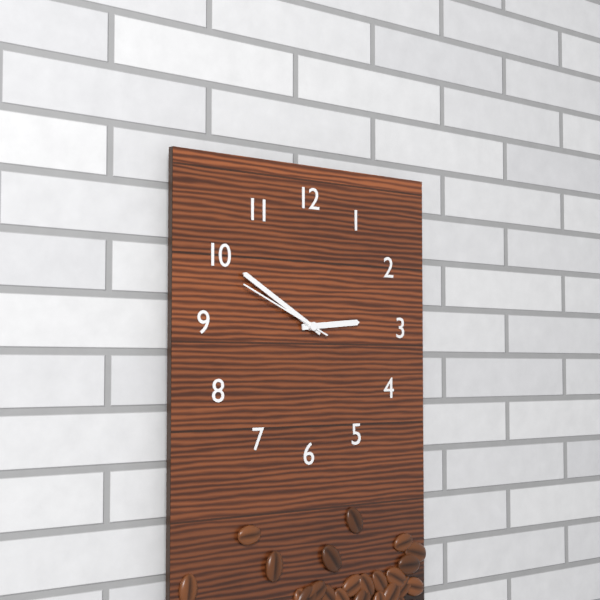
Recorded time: 2h50m49s
